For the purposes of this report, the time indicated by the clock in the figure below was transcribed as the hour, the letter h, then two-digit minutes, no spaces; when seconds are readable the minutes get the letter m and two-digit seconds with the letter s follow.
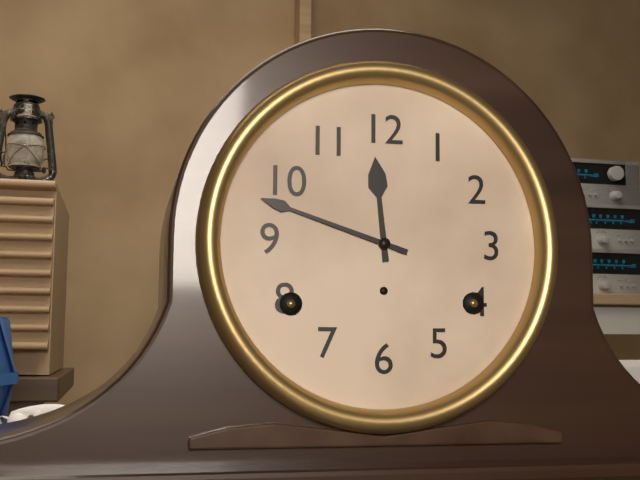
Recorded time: 11h48
